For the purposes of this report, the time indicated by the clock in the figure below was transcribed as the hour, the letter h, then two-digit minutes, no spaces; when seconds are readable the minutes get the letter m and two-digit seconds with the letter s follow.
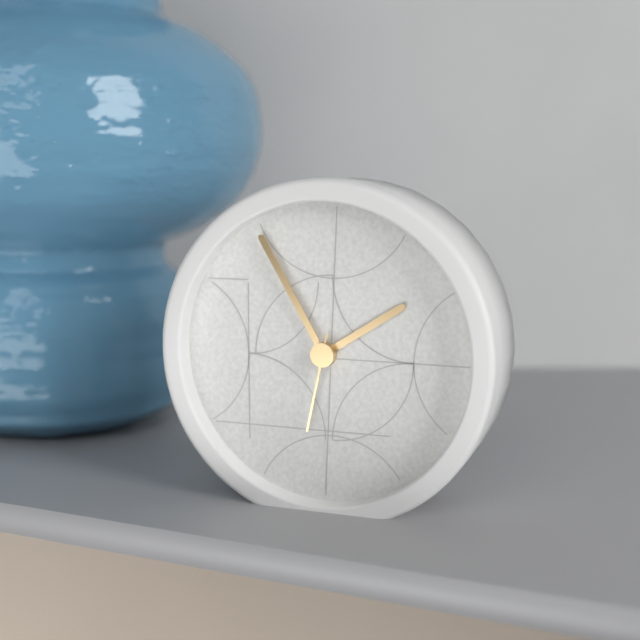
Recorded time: 1h55m32s
